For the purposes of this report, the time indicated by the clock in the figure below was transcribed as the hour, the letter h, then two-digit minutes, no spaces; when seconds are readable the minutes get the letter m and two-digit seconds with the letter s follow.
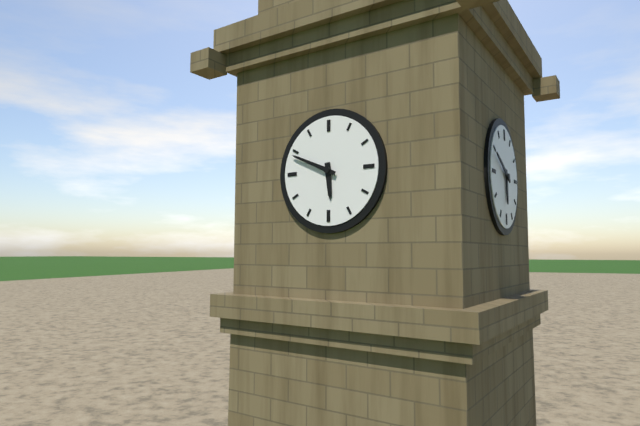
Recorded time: 5h49
